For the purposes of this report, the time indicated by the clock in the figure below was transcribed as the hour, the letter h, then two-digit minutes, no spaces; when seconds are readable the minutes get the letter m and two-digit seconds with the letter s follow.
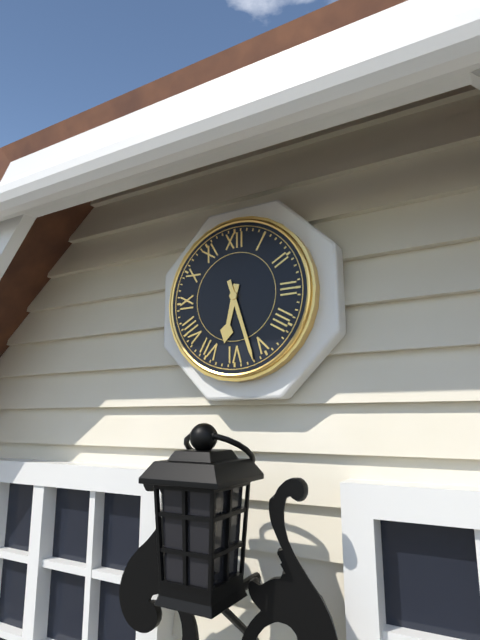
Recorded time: 6h27
